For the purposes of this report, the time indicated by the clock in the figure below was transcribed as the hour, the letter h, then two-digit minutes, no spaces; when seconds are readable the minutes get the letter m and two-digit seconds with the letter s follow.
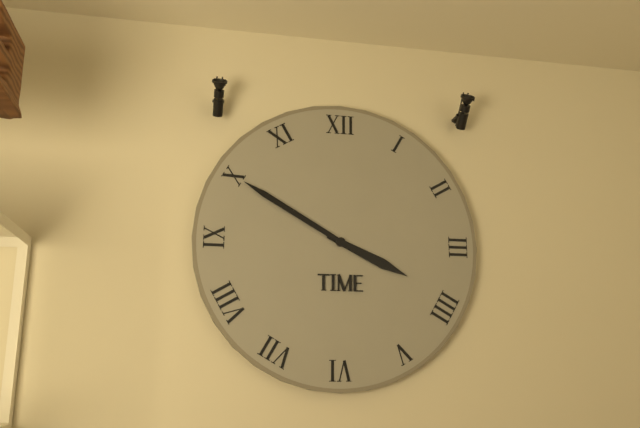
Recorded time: 3h50
